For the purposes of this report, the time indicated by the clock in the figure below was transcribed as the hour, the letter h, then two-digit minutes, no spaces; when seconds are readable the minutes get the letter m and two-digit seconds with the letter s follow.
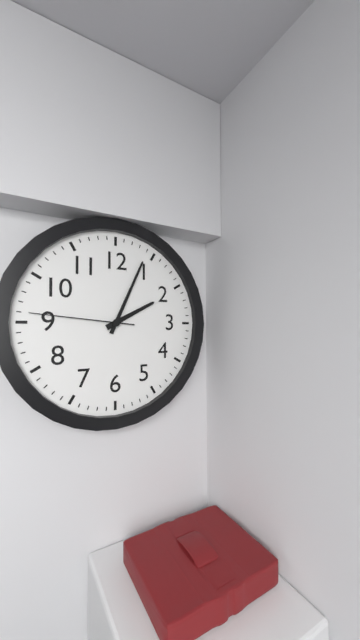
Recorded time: 2h04m46s
